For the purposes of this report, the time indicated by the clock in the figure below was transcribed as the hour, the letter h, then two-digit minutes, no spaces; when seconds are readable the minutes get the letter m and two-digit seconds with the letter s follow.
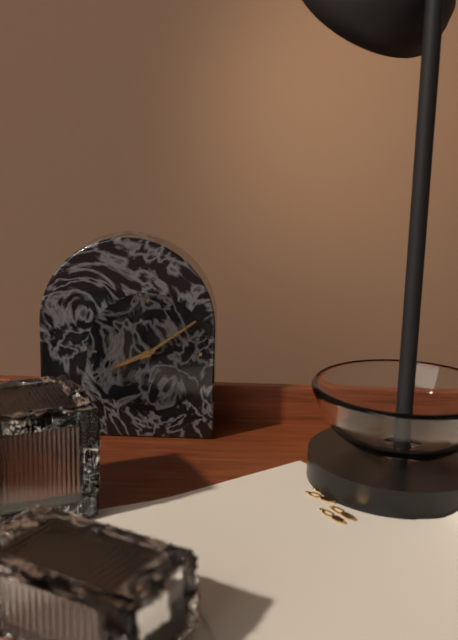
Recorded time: 8h09
